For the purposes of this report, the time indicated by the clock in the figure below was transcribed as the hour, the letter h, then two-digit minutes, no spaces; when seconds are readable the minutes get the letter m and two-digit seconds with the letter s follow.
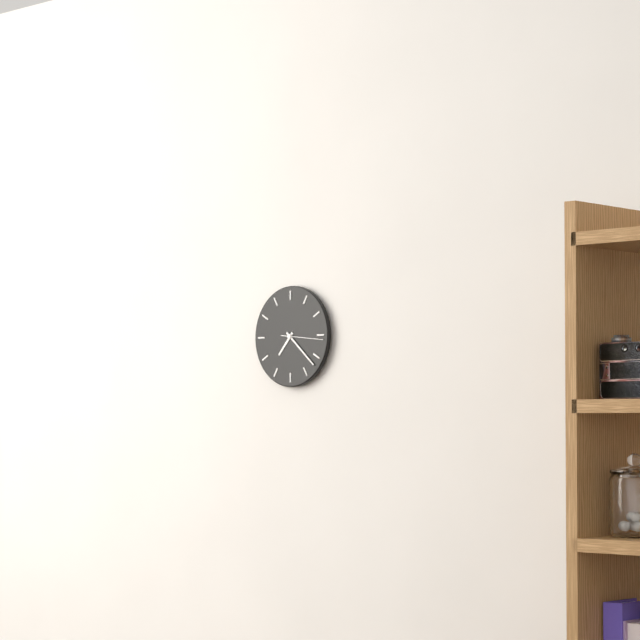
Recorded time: 7h22
